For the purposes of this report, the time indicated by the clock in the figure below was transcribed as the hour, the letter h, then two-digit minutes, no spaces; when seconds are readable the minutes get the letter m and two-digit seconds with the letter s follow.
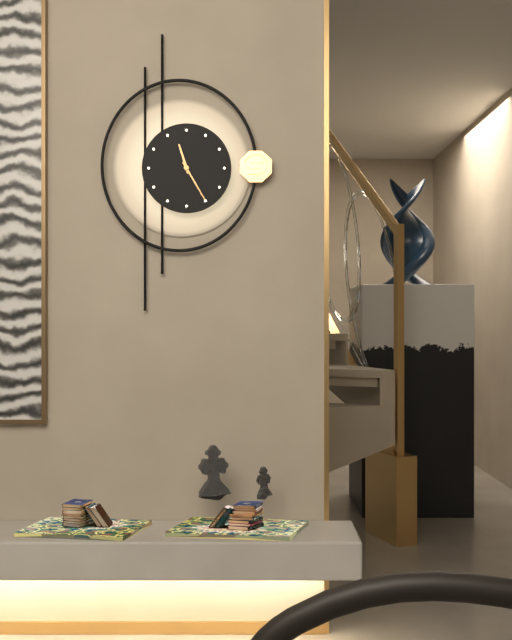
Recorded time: 11h25
